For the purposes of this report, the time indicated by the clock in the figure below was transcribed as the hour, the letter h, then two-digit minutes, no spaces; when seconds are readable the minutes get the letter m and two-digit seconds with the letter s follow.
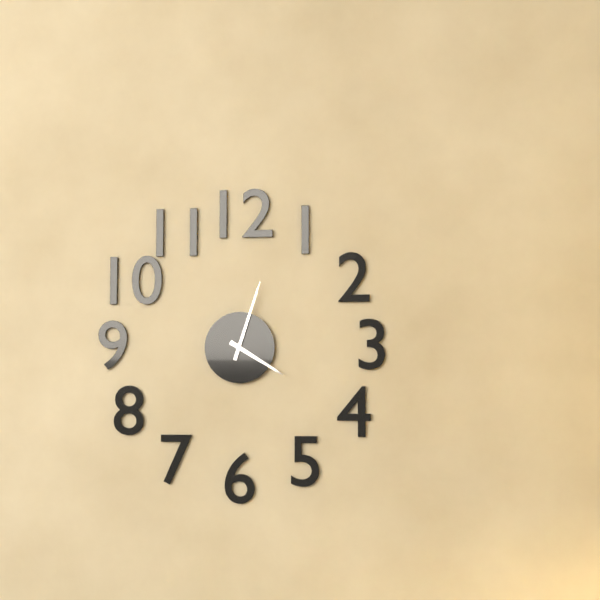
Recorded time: 4h03
